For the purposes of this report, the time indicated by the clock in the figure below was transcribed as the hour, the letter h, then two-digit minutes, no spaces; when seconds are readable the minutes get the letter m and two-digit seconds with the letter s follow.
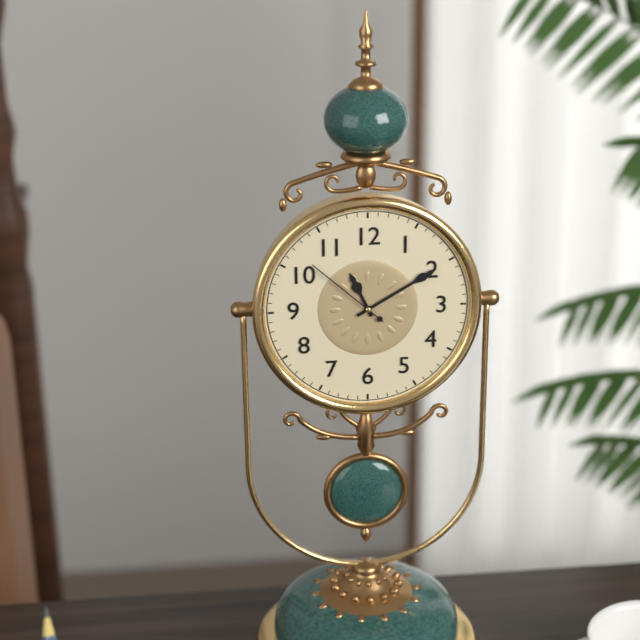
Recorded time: 11h10m52s
